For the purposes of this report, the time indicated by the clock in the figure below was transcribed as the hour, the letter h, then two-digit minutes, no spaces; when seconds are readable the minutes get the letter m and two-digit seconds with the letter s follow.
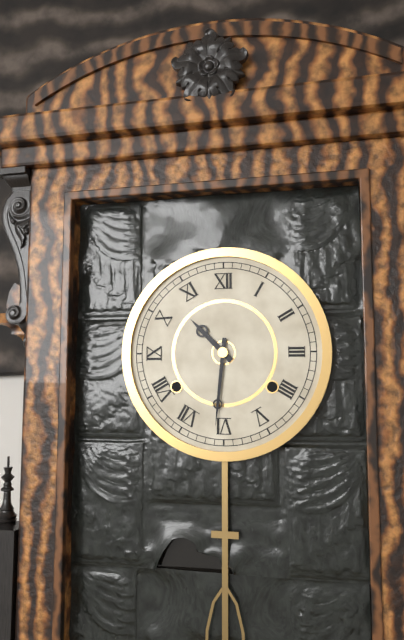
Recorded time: 10h31
